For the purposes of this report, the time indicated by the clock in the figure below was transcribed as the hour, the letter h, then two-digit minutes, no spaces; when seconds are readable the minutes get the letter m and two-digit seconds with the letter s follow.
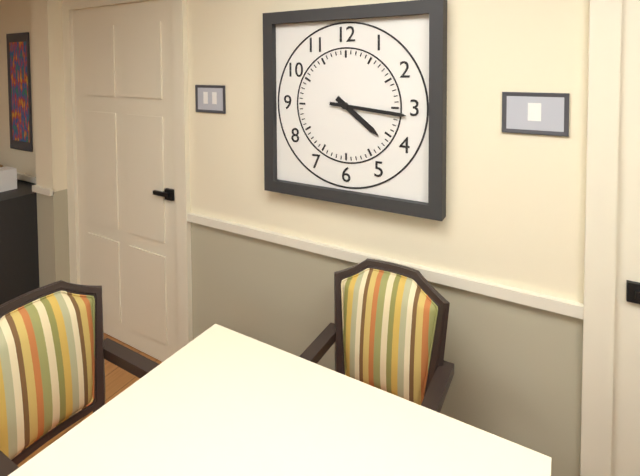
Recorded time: 4h16
